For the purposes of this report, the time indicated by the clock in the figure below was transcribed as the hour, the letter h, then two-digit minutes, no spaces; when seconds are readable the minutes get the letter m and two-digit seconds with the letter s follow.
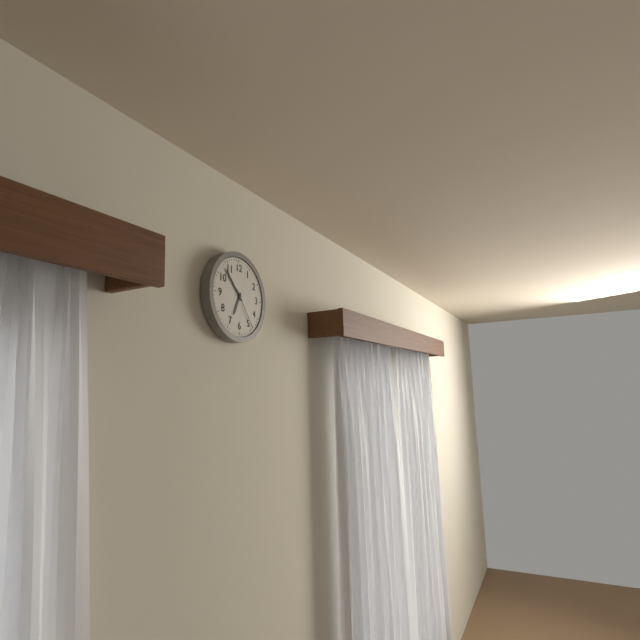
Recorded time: 6h53
